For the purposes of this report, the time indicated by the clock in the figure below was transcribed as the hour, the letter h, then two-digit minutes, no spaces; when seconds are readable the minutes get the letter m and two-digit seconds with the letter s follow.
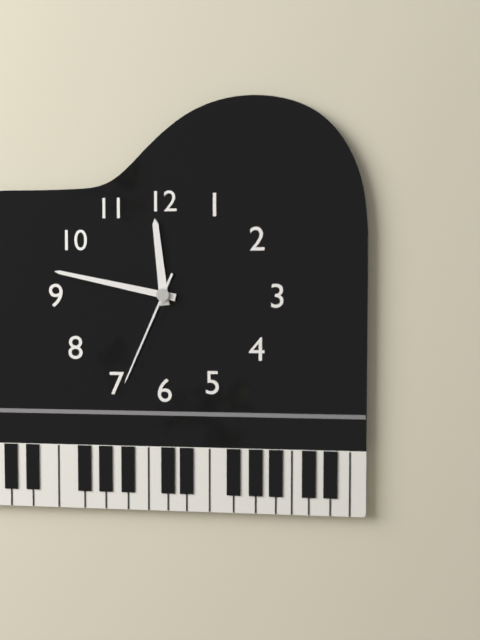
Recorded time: 11h47m34s
